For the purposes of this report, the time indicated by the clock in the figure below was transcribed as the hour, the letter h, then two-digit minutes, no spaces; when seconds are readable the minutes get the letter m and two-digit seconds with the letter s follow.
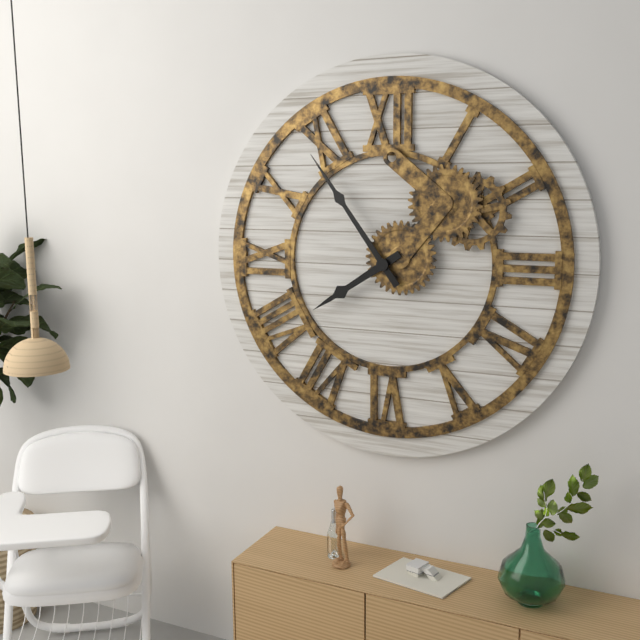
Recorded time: 7h54
